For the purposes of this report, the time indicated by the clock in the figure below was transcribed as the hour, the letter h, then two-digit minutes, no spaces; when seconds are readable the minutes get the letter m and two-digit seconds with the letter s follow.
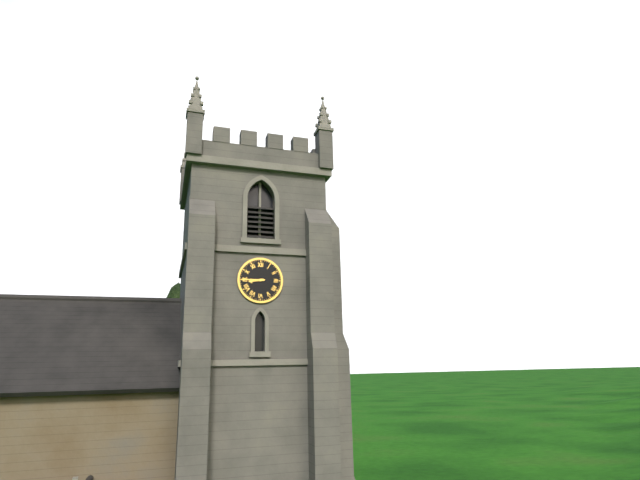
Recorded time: 8h45
